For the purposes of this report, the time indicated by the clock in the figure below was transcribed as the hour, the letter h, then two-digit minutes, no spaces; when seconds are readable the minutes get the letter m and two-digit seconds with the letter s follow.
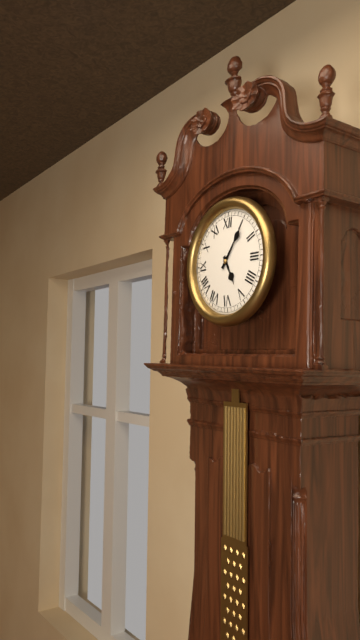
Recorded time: 5h06
